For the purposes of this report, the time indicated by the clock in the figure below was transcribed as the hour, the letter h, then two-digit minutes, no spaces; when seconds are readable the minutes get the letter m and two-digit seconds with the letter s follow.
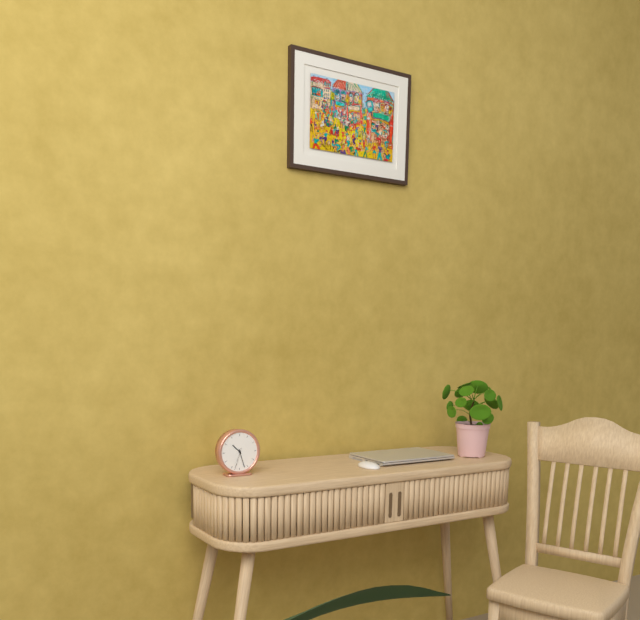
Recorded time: 10h27
